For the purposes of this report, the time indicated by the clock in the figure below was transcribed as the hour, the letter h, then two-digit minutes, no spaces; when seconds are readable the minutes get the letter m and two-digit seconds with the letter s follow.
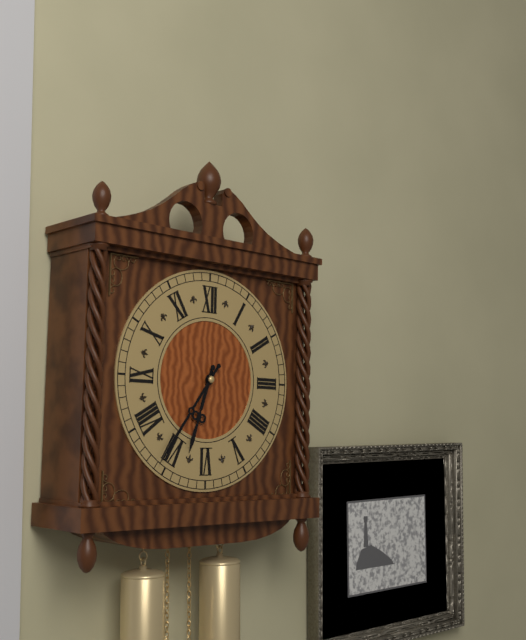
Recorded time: 6h36
